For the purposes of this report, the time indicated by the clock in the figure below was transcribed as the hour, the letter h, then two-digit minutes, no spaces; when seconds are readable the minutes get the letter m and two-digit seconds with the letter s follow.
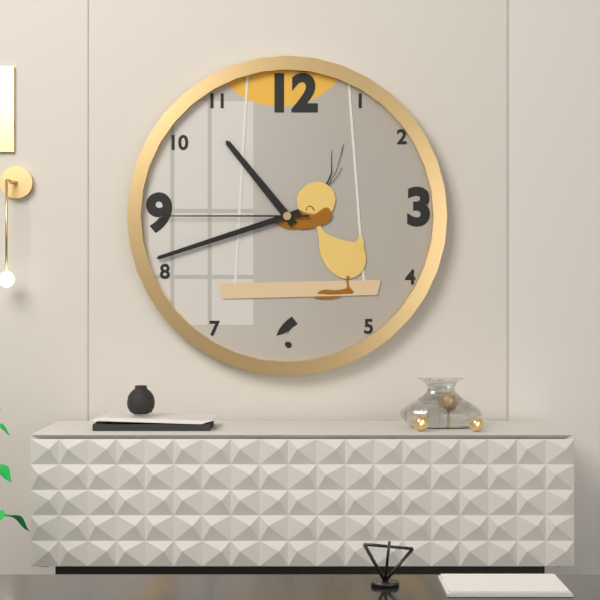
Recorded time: 10h42m45s
